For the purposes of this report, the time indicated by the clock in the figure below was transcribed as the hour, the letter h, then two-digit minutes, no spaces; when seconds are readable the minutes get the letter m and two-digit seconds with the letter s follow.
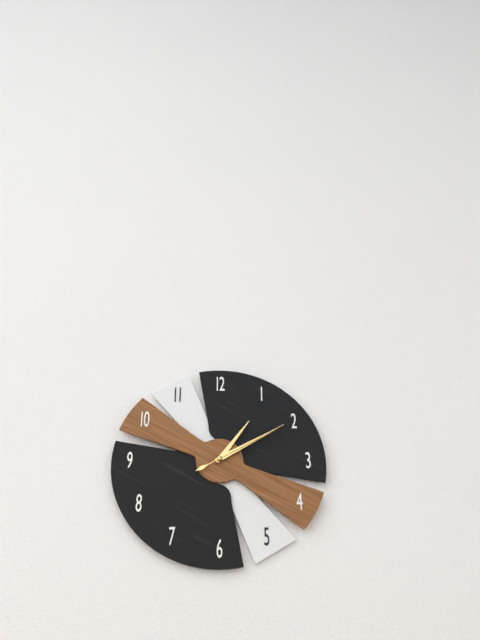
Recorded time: 1h10m10s
